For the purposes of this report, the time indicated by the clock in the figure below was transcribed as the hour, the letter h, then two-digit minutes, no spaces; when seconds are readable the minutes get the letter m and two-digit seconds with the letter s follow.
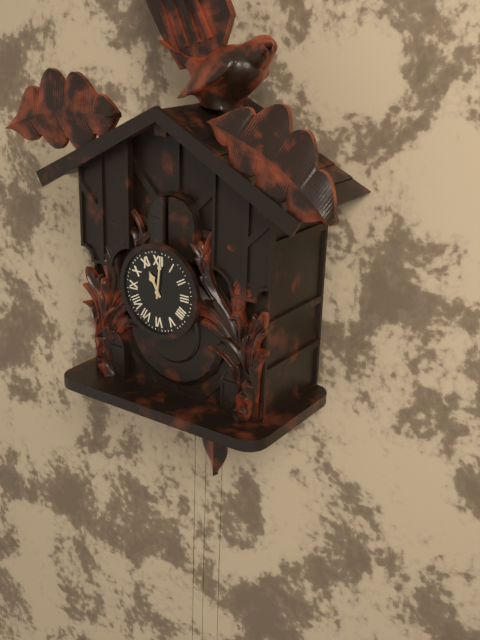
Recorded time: 11h01
